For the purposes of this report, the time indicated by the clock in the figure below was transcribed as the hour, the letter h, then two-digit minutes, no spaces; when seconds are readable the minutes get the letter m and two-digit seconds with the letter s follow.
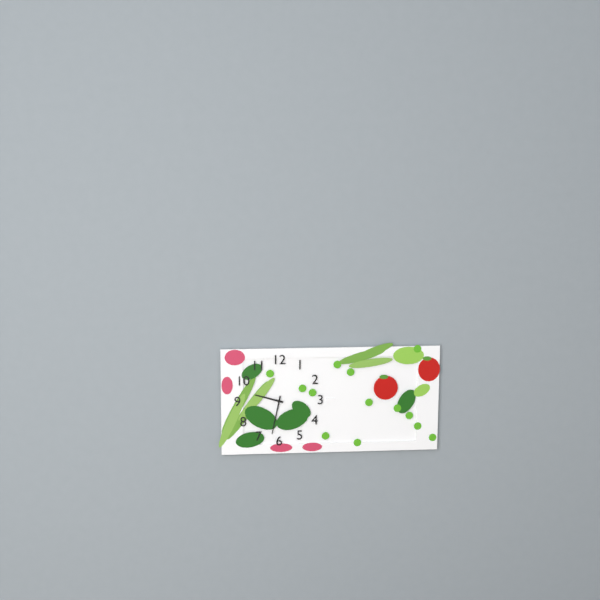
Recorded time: 9h32
